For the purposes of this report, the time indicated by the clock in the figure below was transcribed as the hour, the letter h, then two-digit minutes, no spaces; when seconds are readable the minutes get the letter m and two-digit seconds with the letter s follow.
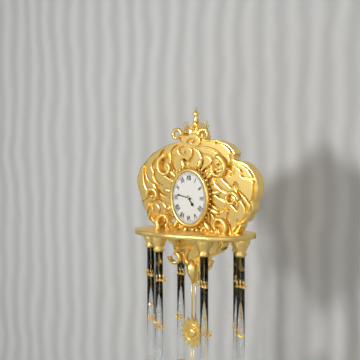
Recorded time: 4h47
